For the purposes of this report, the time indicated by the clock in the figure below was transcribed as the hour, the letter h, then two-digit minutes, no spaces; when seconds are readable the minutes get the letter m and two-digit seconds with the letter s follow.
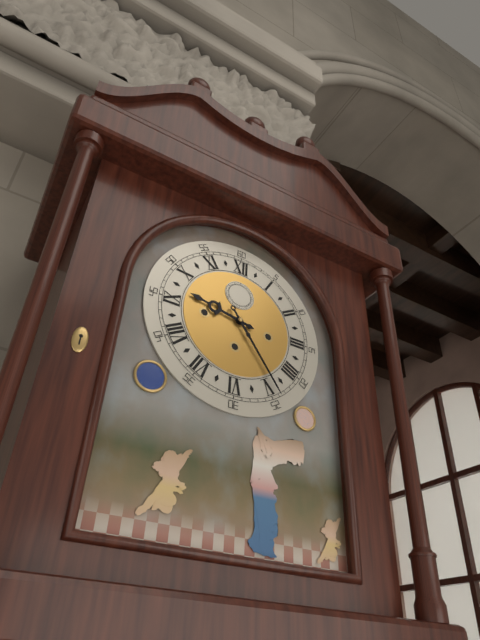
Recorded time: 9h24
